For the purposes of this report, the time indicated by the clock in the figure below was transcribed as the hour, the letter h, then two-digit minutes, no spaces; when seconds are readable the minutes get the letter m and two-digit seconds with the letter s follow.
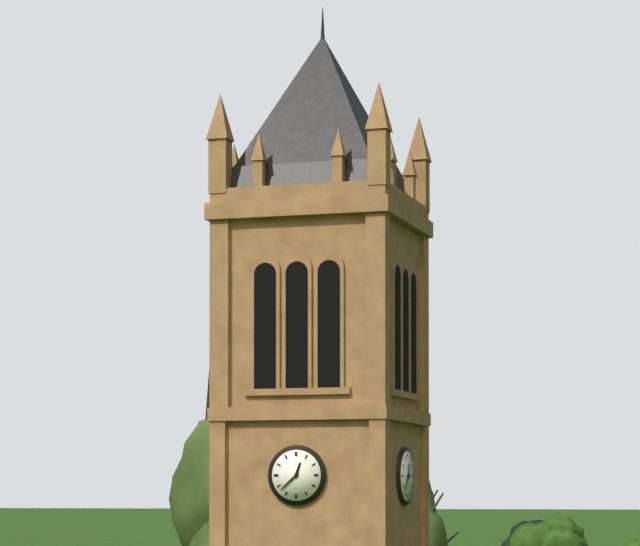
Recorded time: 12h38
